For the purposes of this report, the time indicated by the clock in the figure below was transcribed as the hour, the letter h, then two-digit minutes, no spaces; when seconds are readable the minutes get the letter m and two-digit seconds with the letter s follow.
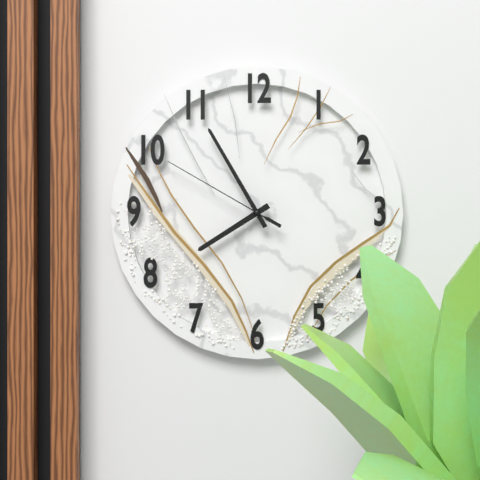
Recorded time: 7h55m50s
